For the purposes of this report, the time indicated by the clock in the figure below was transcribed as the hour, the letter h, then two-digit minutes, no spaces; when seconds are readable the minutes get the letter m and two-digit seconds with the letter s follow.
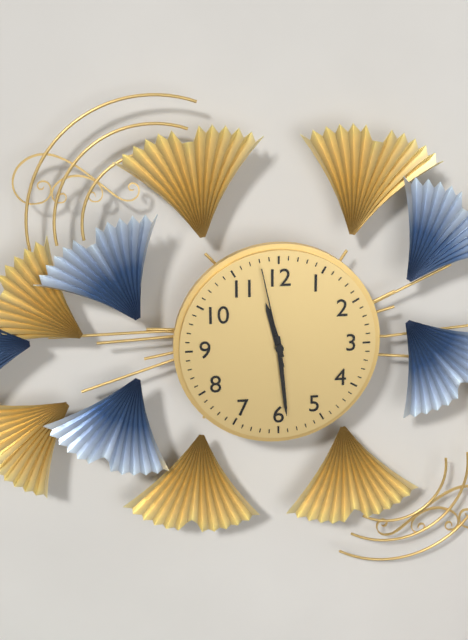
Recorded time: 11h29m58s
